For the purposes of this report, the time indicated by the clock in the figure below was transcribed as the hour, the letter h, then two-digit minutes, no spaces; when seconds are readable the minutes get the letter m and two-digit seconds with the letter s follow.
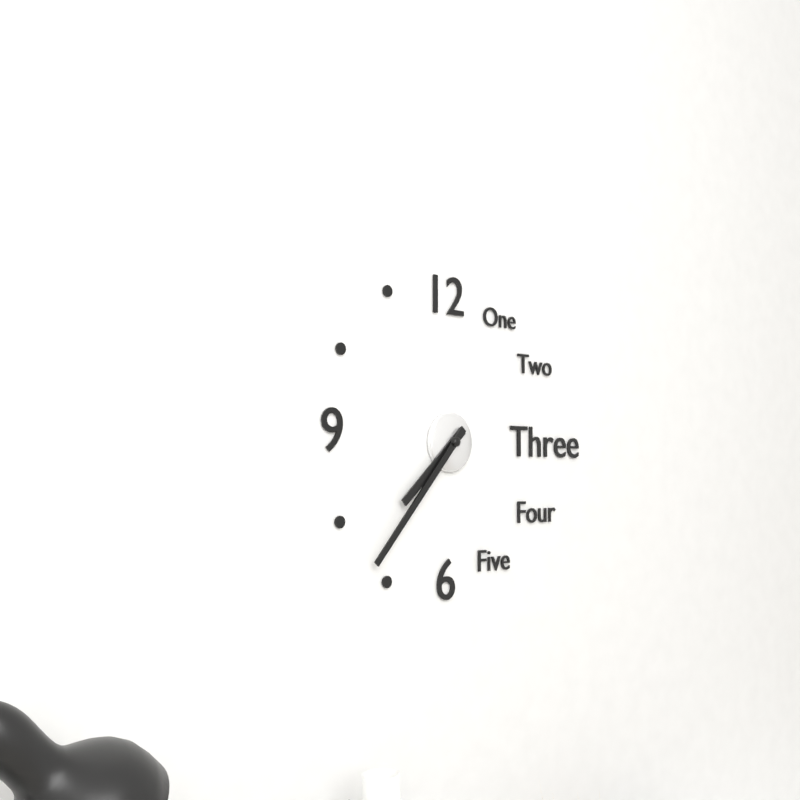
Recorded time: 7h37
